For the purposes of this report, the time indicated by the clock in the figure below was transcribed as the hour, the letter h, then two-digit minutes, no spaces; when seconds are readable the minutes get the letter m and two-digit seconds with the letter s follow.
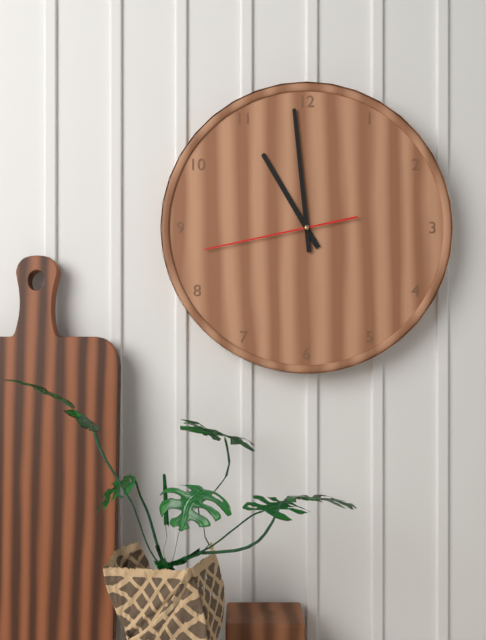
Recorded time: 10h59m43s
